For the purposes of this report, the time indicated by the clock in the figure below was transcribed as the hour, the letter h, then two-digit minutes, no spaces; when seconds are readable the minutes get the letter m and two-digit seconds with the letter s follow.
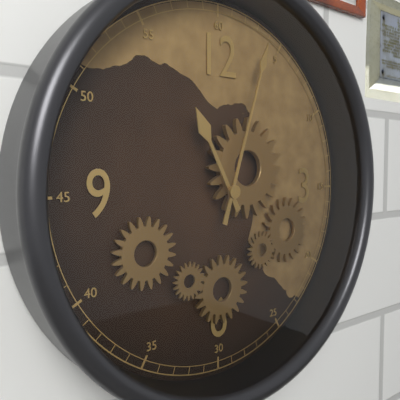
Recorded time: 11h03
